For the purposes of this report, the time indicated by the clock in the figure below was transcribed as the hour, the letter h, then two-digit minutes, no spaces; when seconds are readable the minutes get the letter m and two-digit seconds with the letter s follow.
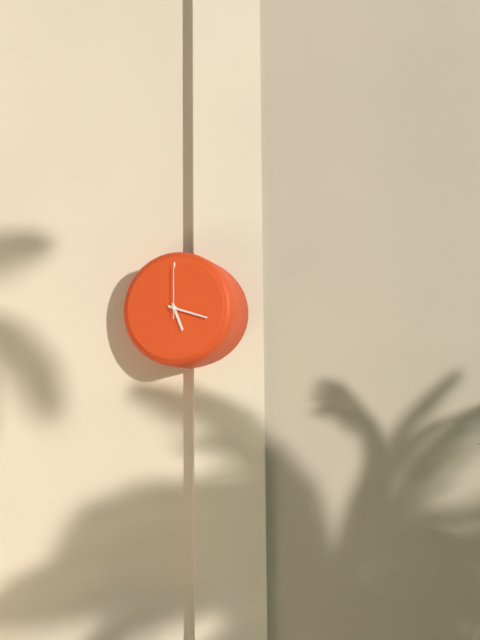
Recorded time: 5h18m00s
